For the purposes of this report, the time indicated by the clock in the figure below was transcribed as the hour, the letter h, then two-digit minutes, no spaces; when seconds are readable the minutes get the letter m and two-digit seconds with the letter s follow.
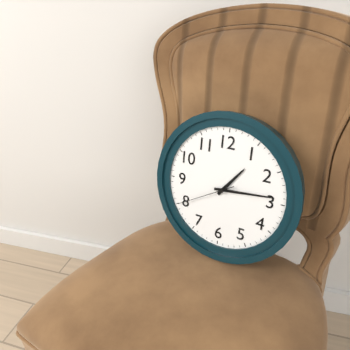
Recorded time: 1h14m40s
